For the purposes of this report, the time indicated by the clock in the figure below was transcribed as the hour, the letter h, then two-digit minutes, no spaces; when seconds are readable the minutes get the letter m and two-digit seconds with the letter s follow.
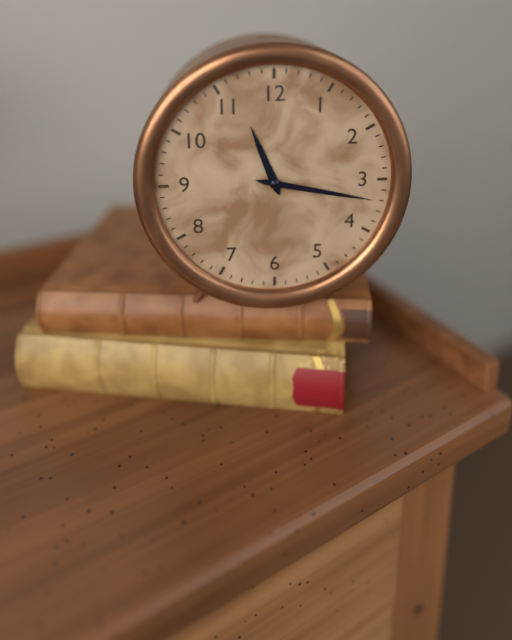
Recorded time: 11h17
